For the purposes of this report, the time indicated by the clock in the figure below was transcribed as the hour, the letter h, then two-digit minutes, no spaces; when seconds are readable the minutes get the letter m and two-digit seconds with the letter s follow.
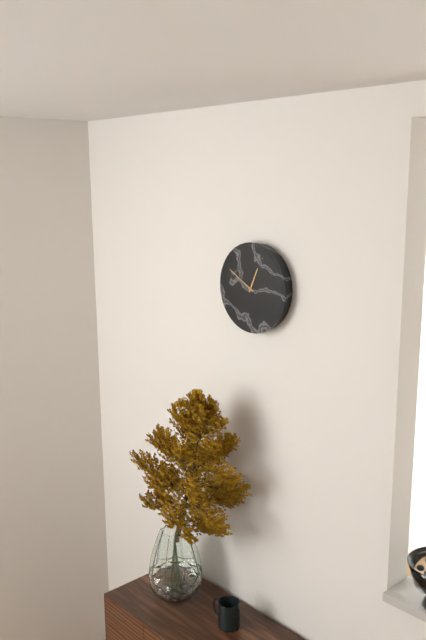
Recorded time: 12h50
